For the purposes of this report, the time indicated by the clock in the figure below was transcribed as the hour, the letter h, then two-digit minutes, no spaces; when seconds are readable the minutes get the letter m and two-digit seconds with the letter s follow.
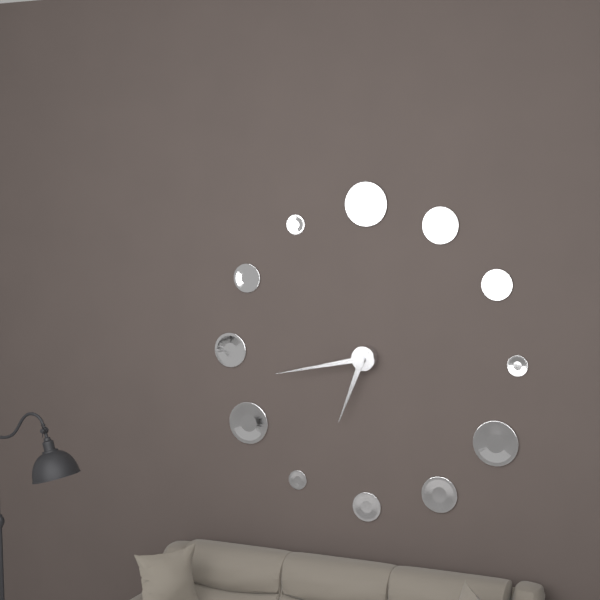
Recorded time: 6h43
